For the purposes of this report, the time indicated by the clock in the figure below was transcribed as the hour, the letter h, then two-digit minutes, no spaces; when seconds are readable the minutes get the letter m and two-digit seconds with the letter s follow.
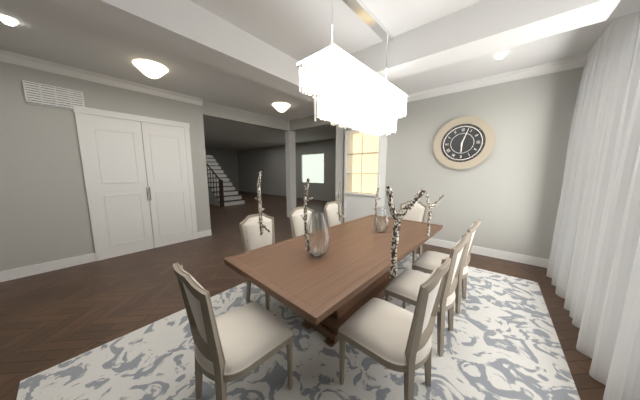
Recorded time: 6h03
